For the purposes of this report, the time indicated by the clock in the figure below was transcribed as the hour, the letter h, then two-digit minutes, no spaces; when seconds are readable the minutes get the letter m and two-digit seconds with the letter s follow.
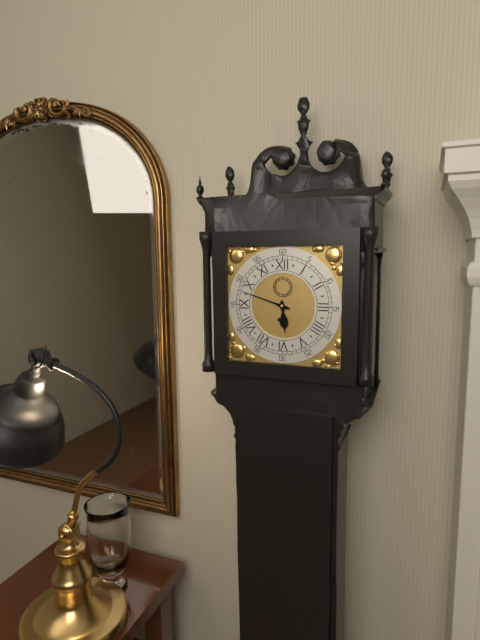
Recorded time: 5h48
